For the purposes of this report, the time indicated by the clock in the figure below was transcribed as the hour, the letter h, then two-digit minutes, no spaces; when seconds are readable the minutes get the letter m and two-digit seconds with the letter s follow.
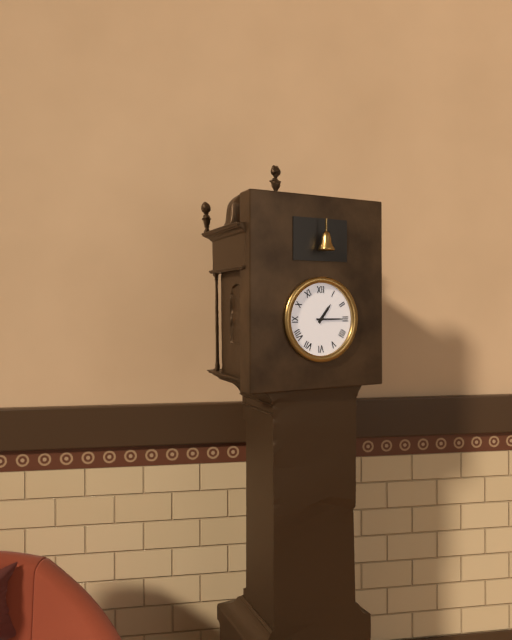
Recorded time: 1h15
